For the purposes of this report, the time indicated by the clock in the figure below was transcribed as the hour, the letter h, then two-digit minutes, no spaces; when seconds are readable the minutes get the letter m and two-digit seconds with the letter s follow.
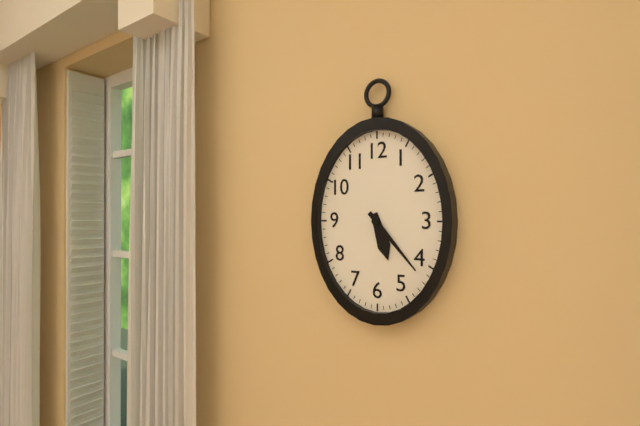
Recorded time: 5h23
